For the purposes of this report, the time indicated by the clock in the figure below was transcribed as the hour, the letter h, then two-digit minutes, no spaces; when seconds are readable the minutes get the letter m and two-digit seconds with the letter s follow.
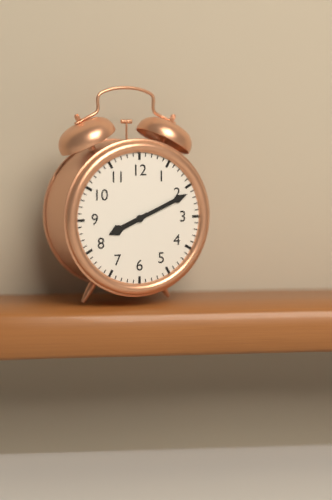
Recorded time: 8h11
